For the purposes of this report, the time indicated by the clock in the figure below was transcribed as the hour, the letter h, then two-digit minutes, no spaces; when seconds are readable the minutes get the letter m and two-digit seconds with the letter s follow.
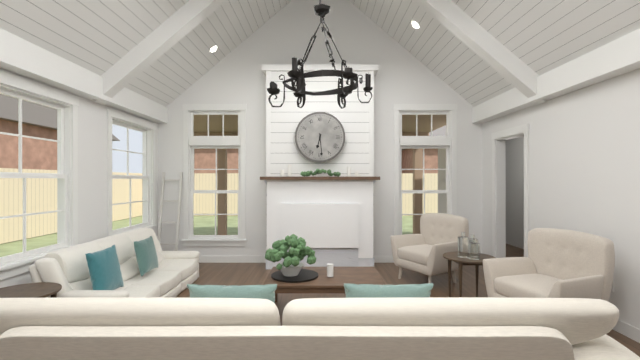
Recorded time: 6h29
